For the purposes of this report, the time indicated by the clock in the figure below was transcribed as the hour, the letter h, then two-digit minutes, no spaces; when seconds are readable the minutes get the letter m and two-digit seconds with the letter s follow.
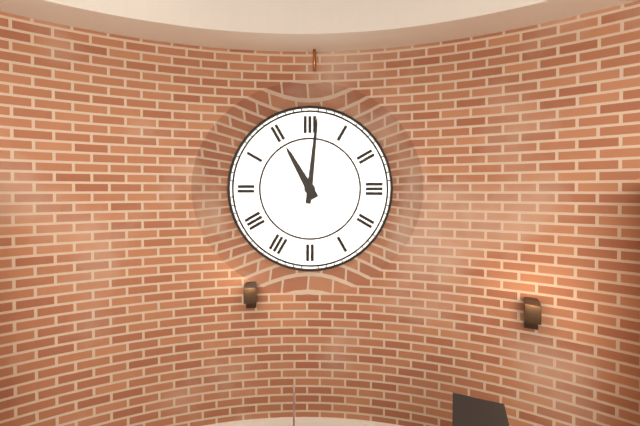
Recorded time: 11h01
